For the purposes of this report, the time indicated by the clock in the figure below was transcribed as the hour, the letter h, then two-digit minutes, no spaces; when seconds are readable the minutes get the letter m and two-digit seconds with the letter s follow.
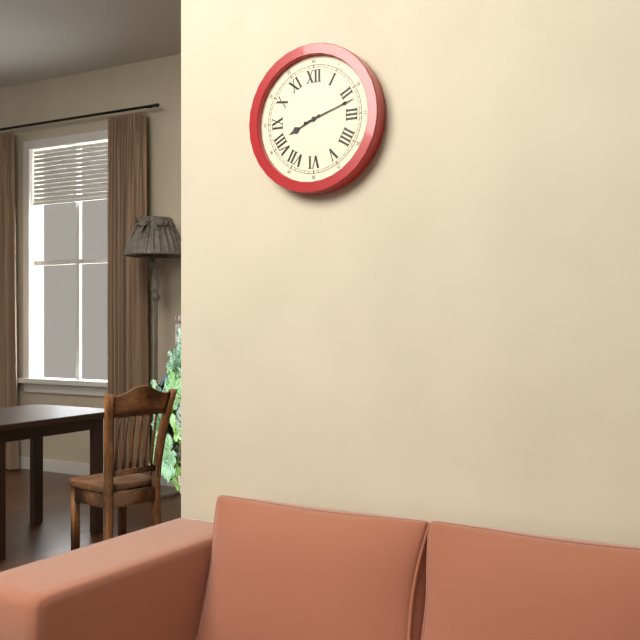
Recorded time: 8h12
